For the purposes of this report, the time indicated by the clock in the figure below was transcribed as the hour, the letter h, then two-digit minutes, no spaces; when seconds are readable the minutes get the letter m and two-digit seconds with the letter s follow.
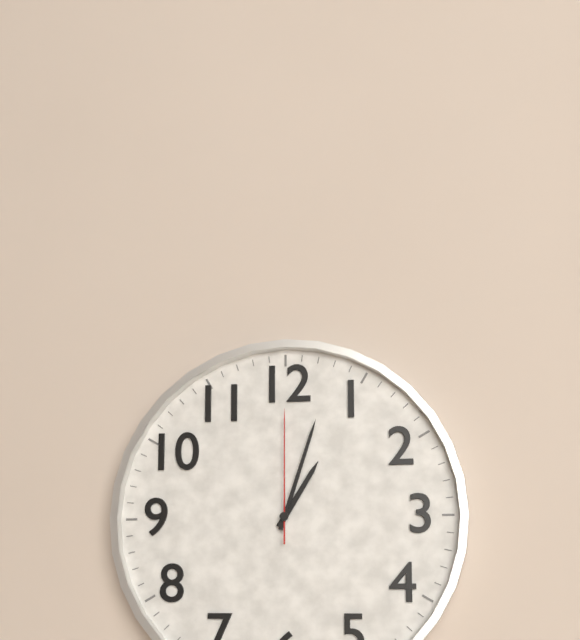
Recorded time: 1h03m00s
